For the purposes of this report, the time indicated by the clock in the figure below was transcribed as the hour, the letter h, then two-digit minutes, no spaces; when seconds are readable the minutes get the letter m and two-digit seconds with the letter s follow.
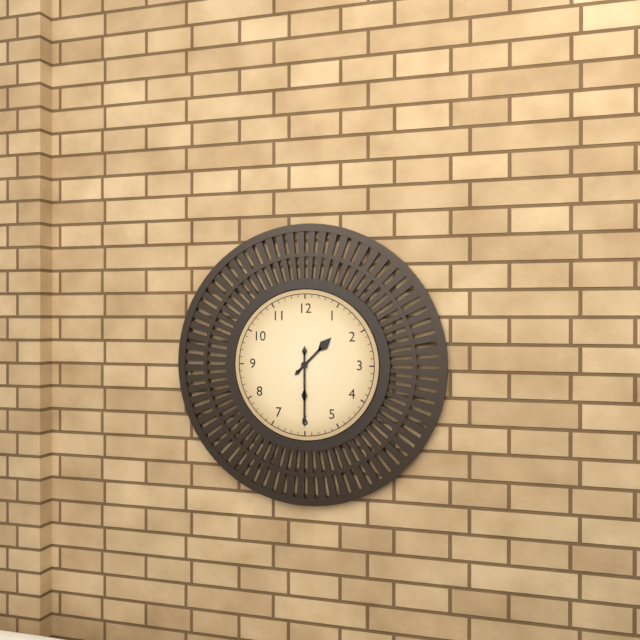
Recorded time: 1h30
